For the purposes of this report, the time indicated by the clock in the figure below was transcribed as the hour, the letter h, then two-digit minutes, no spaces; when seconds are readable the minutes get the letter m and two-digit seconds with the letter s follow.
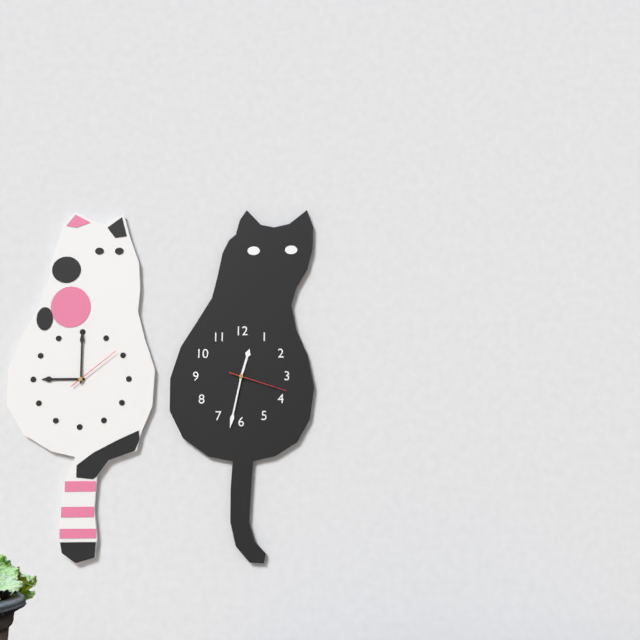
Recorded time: 12h32m18s
